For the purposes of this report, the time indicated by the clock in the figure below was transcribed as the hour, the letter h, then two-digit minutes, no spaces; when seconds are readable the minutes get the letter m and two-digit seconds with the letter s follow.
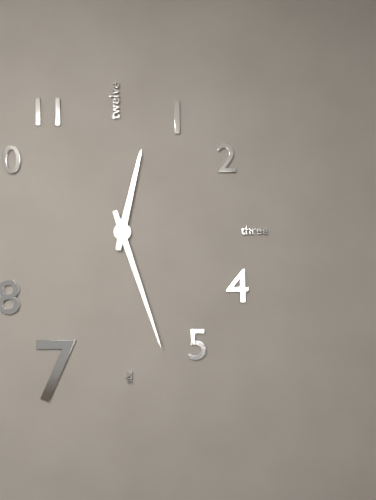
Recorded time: 12h27
